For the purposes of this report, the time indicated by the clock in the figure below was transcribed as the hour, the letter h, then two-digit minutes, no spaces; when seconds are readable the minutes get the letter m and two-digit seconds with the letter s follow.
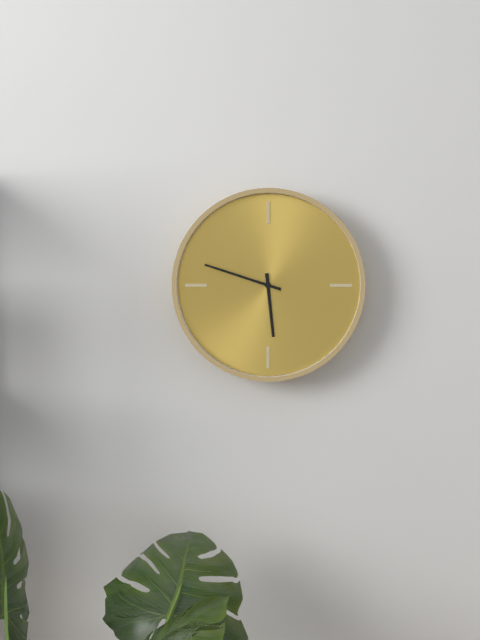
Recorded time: 5h48
